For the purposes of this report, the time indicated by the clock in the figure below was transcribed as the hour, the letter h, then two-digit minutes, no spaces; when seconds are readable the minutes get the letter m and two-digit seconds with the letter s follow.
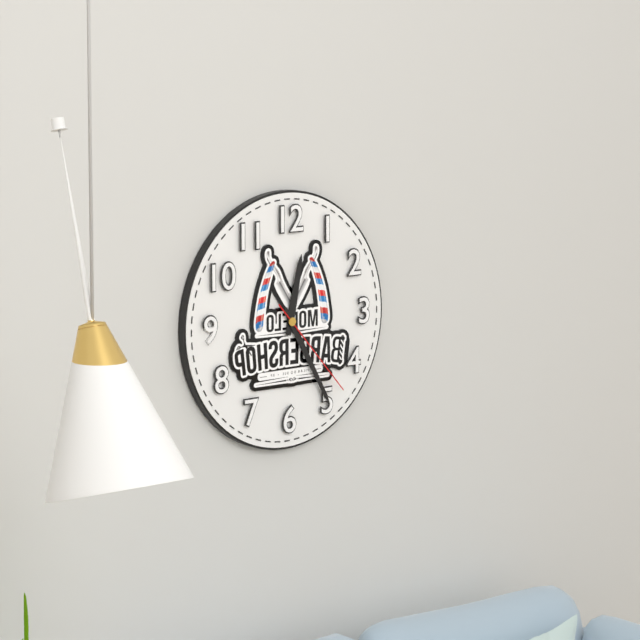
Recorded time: 12h25m23s
